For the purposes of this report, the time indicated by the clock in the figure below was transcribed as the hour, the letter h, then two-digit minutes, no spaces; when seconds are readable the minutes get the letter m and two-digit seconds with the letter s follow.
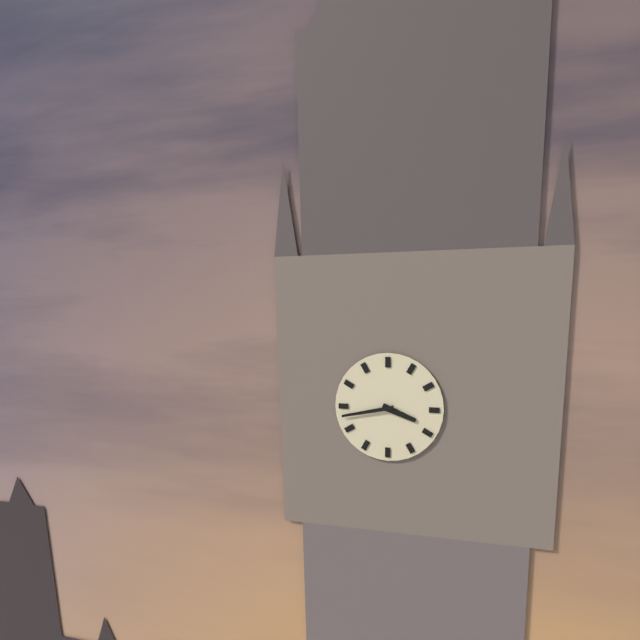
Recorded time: 3h43
